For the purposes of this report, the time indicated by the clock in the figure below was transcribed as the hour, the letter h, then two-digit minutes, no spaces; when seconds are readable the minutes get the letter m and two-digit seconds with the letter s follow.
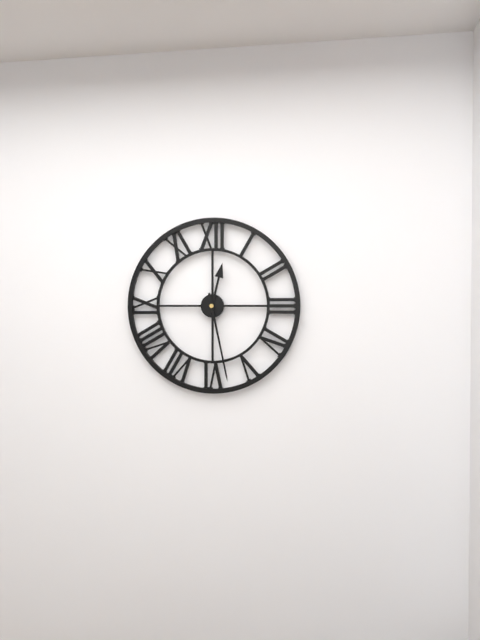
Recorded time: 12h28
